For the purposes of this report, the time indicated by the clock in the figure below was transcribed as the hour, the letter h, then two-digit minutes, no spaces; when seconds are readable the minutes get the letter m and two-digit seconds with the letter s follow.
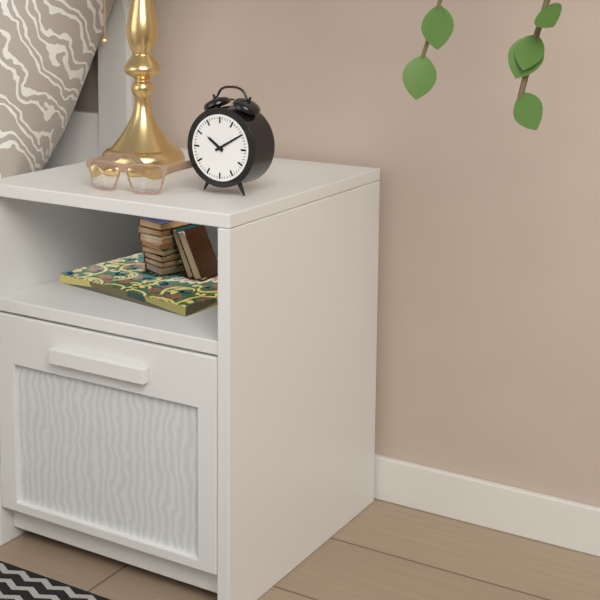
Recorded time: 10h10
